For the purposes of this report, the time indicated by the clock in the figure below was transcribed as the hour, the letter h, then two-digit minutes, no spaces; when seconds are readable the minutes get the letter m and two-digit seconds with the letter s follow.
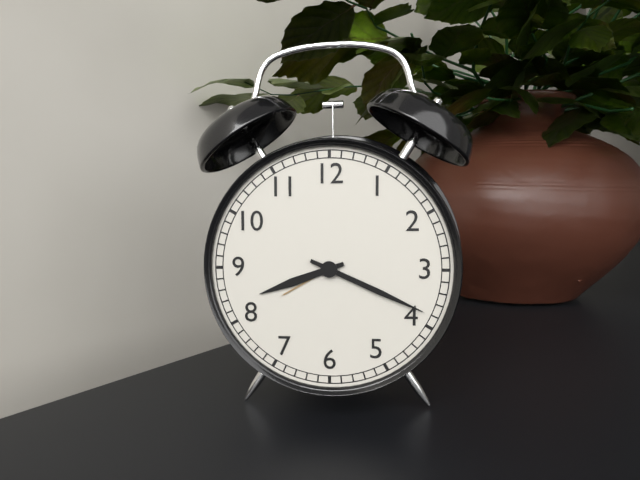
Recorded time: 8h19
